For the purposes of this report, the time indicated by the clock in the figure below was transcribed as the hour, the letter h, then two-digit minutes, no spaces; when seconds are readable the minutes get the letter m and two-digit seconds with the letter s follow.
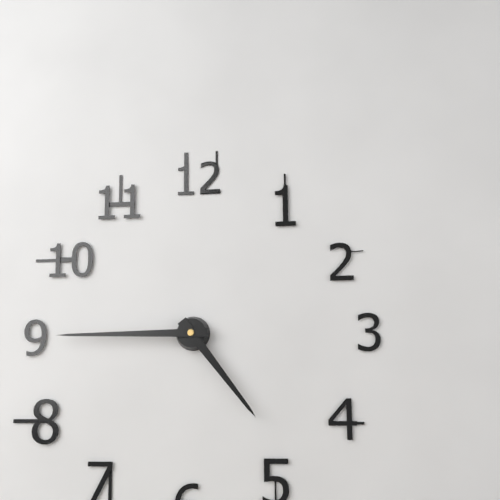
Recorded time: 4h45
